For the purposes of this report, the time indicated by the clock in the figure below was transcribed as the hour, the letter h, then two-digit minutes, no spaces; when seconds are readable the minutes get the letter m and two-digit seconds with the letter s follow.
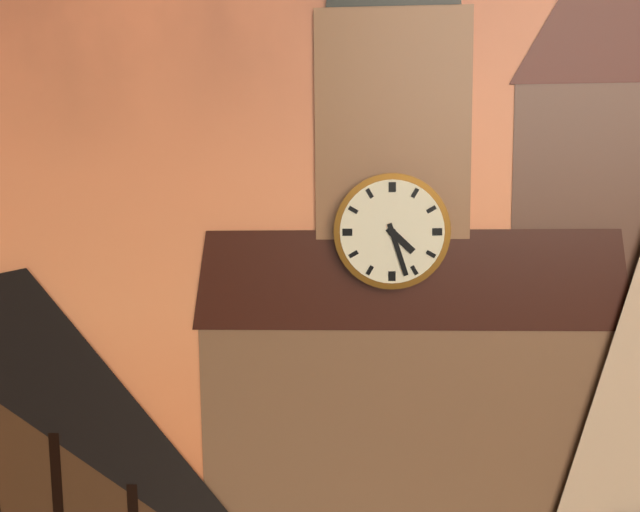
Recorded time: 4h27
